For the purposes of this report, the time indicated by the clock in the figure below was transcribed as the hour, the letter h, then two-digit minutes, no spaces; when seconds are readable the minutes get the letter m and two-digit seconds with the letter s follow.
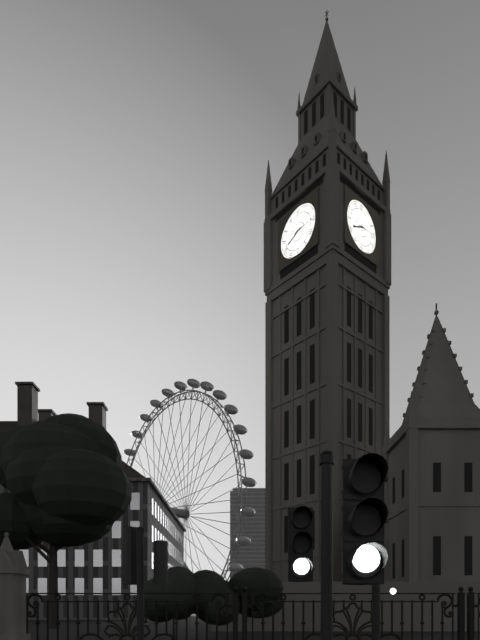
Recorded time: 8h14
